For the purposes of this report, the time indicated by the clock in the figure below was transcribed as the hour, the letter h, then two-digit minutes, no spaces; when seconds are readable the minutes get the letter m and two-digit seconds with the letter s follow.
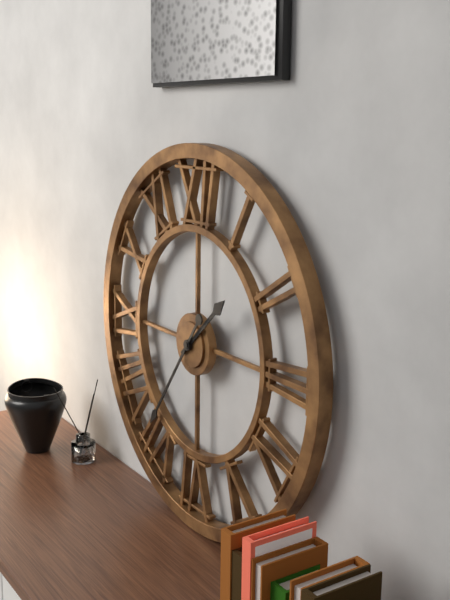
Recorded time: 1h36
